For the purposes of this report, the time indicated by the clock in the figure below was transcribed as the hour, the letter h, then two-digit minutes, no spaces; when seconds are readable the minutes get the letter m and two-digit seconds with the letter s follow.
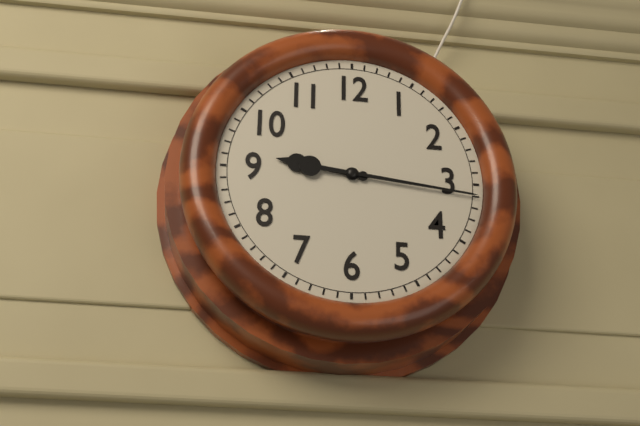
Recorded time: 9h16
